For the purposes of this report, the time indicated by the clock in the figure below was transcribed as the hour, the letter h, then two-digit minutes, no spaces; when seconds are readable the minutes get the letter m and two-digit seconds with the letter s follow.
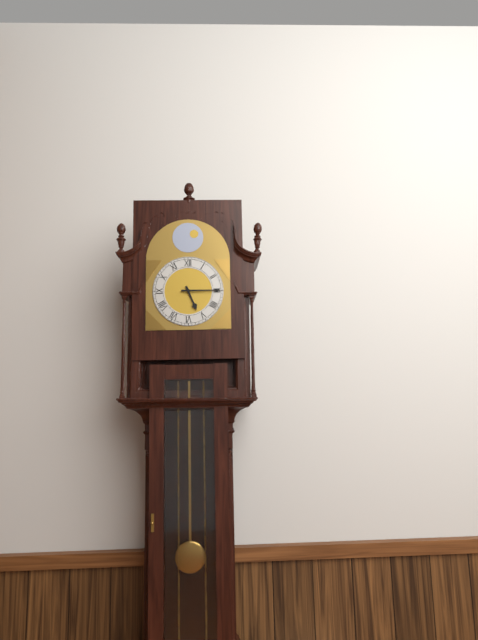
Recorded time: 5h15
